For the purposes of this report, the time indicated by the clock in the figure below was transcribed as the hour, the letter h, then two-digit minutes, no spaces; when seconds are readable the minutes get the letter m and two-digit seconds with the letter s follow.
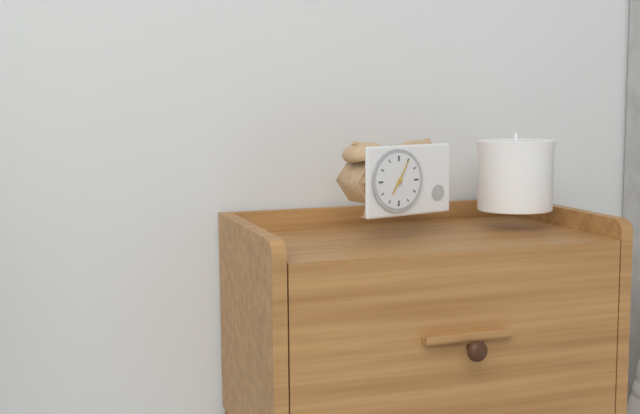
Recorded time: 7h05
